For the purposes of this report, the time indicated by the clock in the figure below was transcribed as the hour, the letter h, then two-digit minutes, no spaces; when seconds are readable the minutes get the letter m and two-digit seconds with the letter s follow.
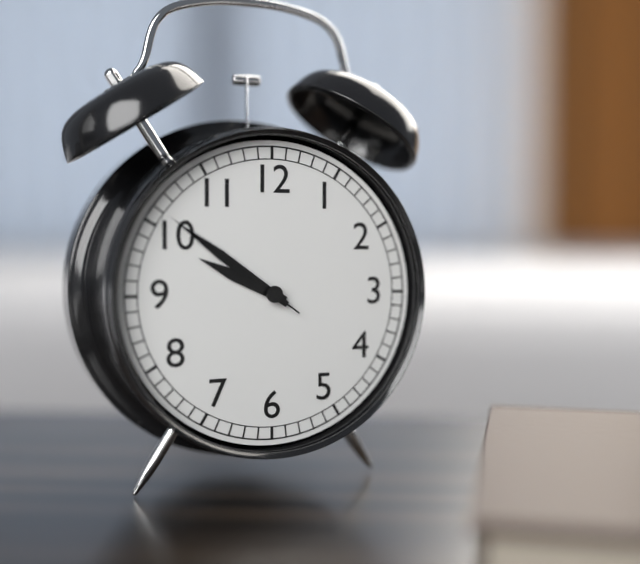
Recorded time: 9h51m51s
